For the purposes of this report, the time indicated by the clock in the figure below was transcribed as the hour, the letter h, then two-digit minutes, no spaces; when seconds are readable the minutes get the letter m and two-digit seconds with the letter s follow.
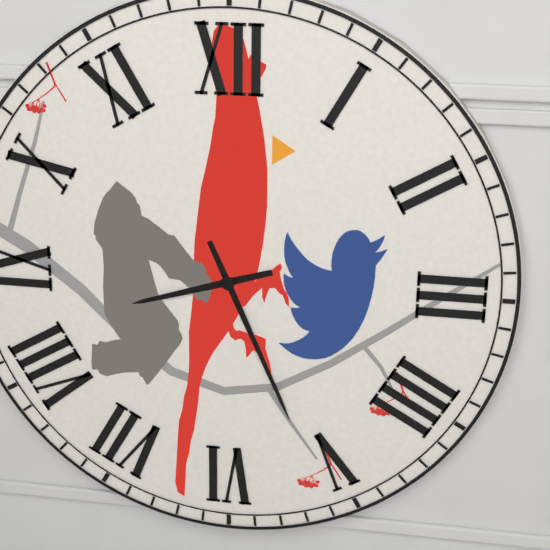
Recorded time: 8h26
